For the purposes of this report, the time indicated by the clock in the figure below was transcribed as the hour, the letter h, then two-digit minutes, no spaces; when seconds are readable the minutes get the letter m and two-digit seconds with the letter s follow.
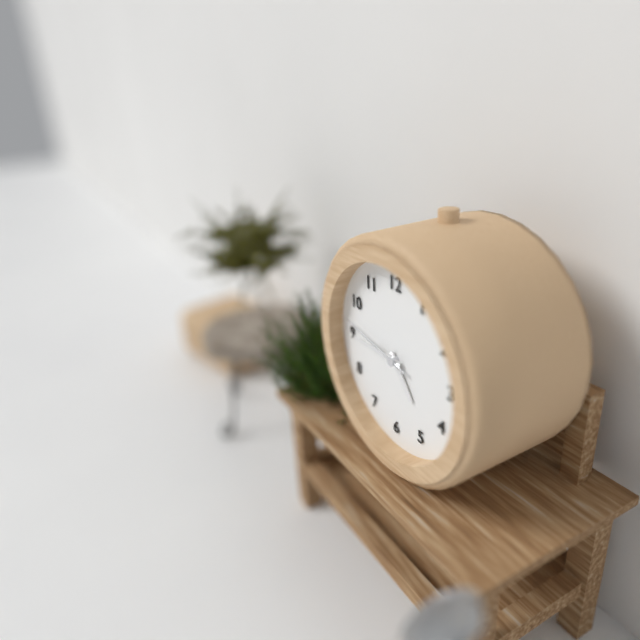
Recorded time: 4h45m47s
